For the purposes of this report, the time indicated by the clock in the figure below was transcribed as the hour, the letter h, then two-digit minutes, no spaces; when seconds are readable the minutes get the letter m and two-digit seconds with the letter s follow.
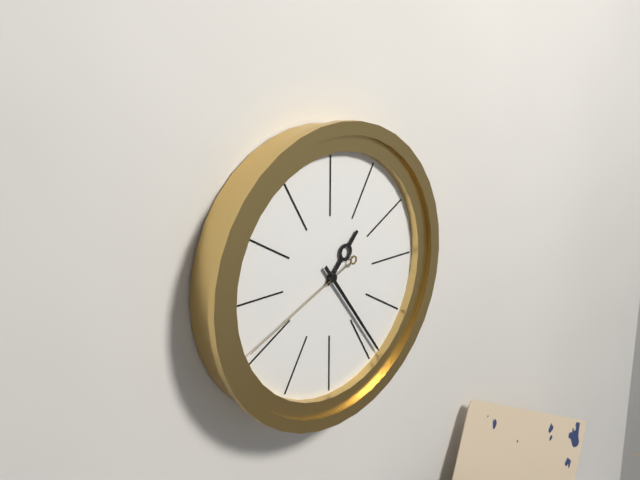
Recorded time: 1h24m41s
